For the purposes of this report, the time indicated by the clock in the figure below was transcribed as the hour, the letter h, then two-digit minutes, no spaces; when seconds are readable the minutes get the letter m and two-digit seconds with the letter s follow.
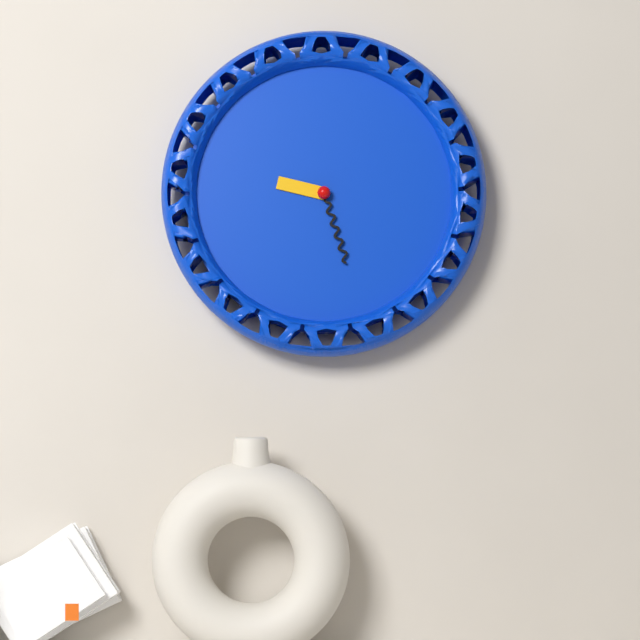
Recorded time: 9h27
